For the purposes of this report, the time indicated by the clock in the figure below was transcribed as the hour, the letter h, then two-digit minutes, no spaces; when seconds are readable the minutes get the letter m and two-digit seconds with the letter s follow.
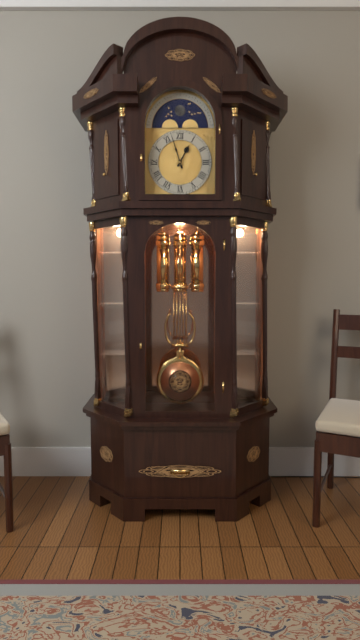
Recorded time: 12h57
